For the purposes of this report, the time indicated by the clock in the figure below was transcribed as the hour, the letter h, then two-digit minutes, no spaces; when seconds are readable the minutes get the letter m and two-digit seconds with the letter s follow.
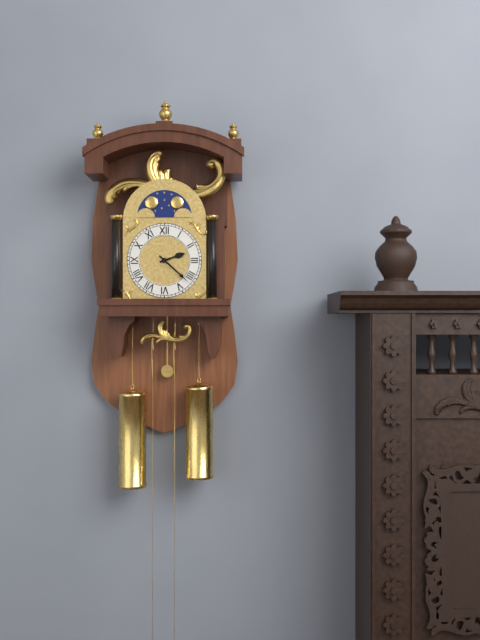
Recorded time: 2h22
